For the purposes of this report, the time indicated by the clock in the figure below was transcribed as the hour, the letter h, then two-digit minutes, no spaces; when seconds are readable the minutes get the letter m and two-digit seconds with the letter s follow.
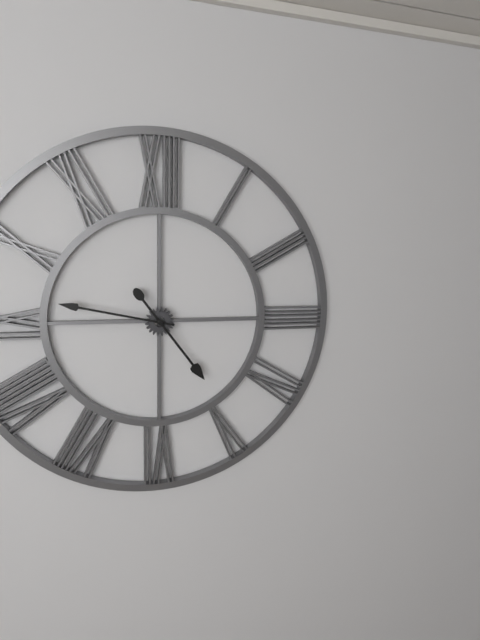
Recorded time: 4h47
